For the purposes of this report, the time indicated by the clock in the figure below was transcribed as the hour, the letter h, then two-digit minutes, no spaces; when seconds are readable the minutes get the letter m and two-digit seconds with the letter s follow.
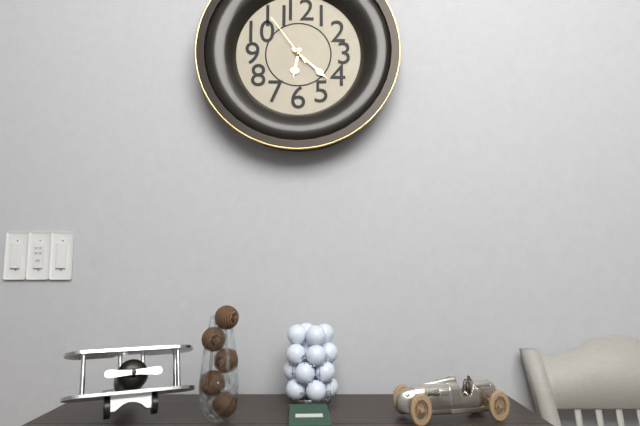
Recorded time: 6h22m54s
